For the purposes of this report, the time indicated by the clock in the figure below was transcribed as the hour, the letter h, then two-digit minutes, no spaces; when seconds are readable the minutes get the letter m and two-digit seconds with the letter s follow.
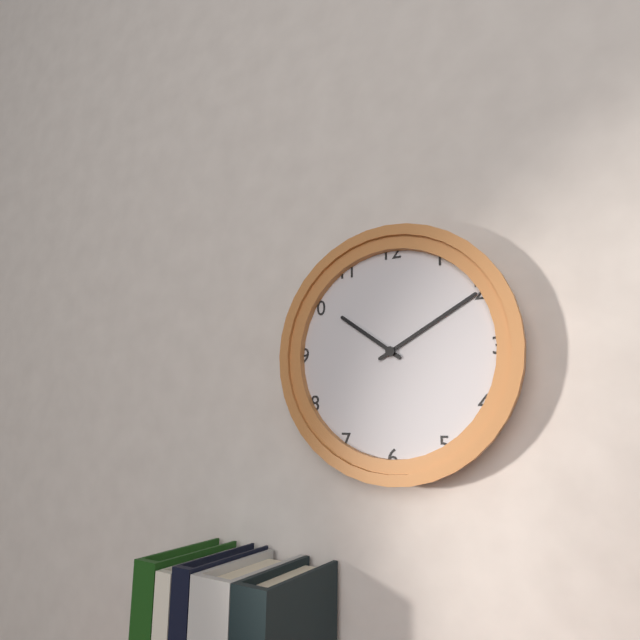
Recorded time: 10h10
